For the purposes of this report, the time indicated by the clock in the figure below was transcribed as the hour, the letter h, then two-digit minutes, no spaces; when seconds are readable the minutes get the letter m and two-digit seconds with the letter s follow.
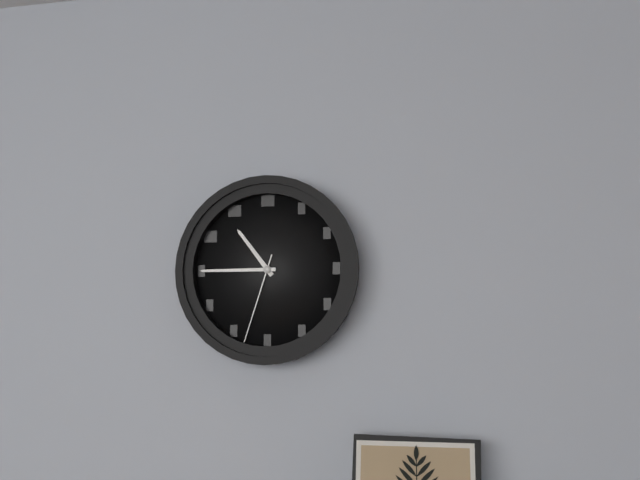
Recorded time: 10h45m33s
